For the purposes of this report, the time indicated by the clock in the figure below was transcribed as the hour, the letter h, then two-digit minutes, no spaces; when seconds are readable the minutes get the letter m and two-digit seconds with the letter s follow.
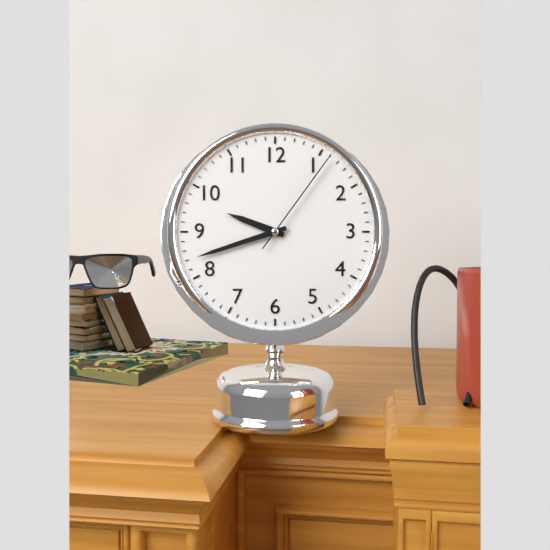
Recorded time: 9h42m06s
